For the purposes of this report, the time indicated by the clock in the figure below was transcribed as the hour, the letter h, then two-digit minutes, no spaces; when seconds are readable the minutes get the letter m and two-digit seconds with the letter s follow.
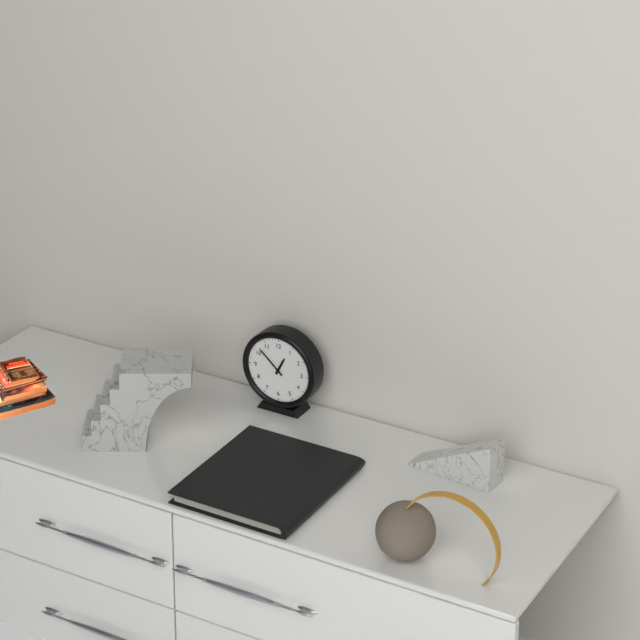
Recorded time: 12h52
